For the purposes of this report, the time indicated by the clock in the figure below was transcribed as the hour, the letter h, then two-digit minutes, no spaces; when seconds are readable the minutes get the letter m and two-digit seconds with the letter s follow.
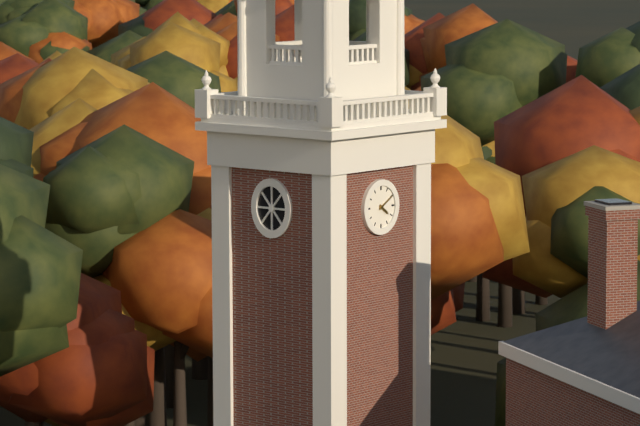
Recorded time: 4h10
